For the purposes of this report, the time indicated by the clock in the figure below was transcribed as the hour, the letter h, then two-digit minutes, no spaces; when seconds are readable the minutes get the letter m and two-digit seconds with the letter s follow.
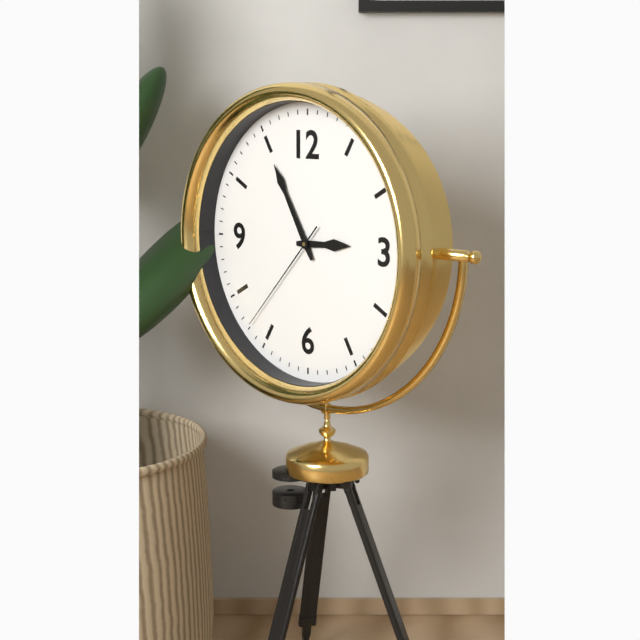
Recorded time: 2h55m37s
